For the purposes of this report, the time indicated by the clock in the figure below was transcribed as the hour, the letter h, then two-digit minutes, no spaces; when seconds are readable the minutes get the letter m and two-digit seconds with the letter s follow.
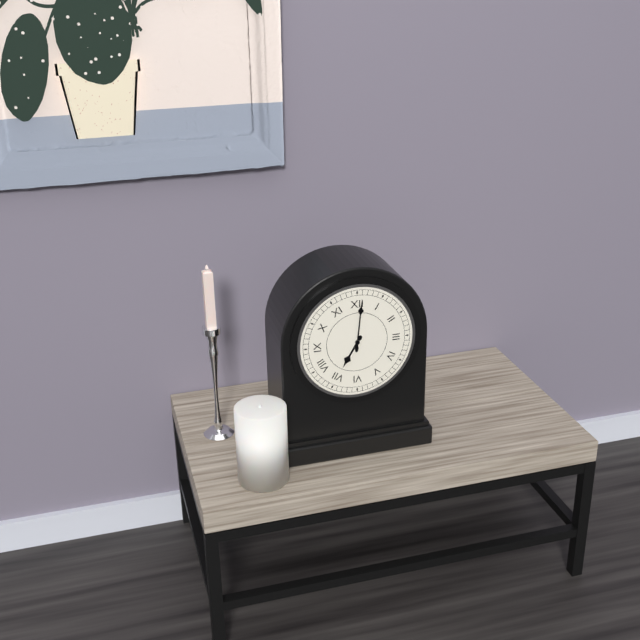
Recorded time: 7h01
